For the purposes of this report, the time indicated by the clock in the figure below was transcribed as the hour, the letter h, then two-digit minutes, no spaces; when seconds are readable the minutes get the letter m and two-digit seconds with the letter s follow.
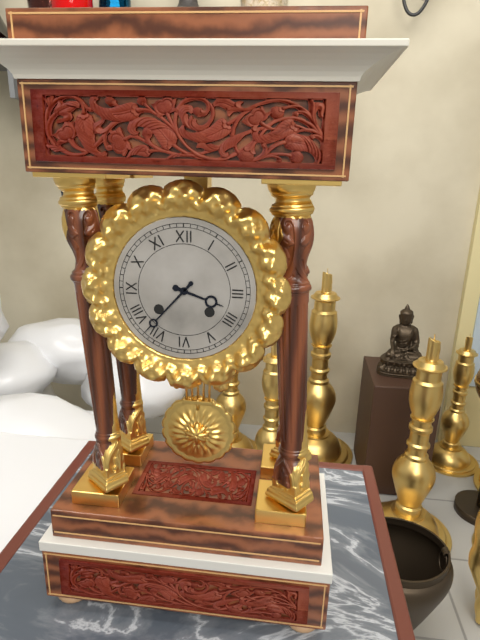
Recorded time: 3h37
